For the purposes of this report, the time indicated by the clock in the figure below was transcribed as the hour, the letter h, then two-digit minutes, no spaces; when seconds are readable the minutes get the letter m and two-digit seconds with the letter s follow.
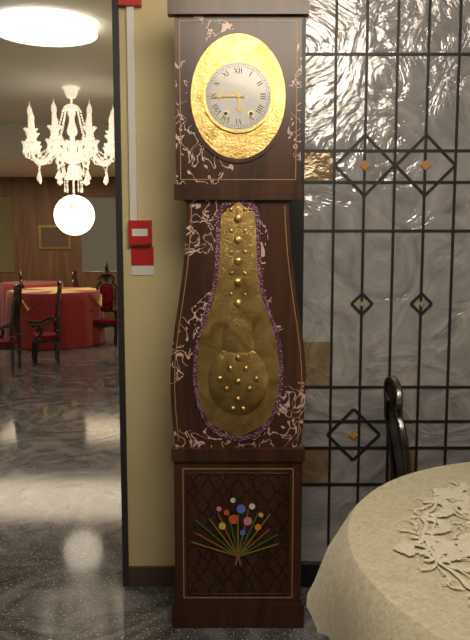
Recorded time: 5h45
